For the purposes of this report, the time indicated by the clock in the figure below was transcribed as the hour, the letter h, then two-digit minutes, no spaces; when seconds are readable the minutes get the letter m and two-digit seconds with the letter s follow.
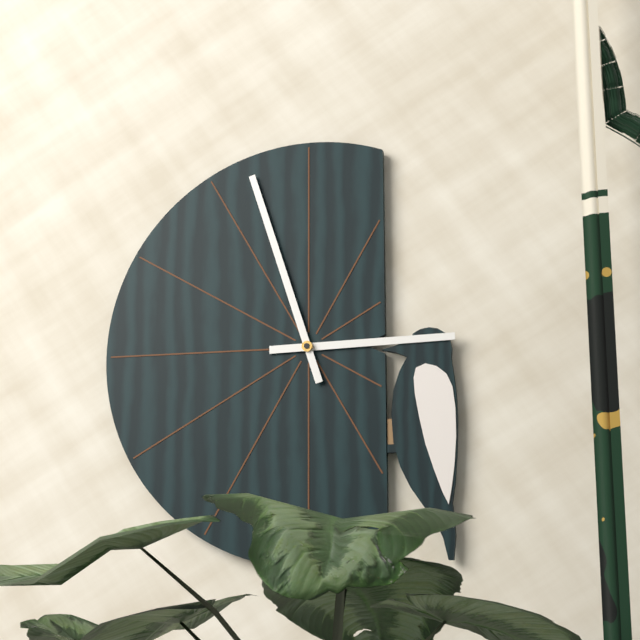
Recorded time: 2h57
